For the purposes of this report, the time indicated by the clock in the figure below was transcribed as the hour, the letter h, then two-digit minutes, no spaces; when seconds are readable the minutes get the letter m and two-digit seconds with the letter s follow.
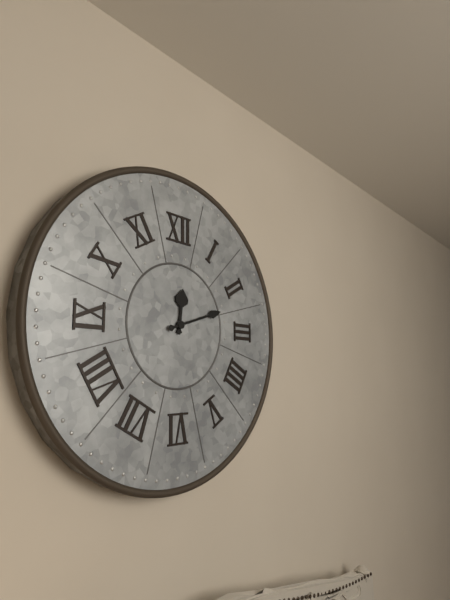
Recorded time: 12h12
